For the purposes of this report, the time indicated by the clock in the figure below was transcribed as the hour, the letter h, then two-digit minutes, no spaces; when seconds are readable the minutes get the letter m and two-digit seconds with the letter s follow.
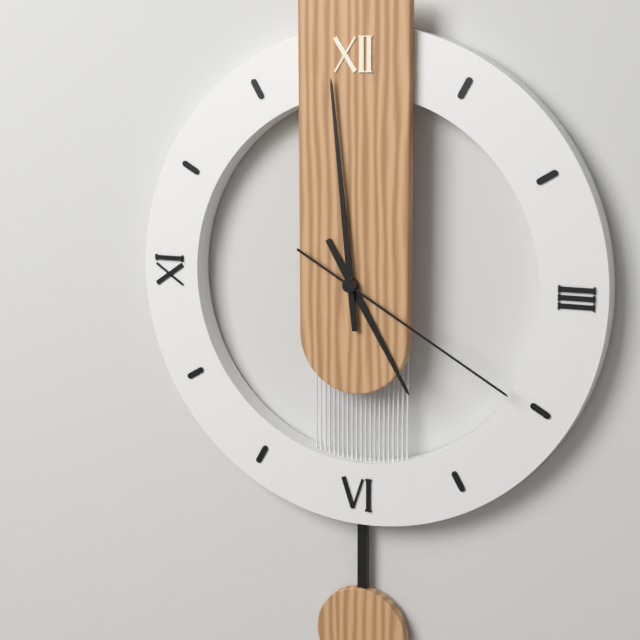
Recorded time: 4h59m20s
